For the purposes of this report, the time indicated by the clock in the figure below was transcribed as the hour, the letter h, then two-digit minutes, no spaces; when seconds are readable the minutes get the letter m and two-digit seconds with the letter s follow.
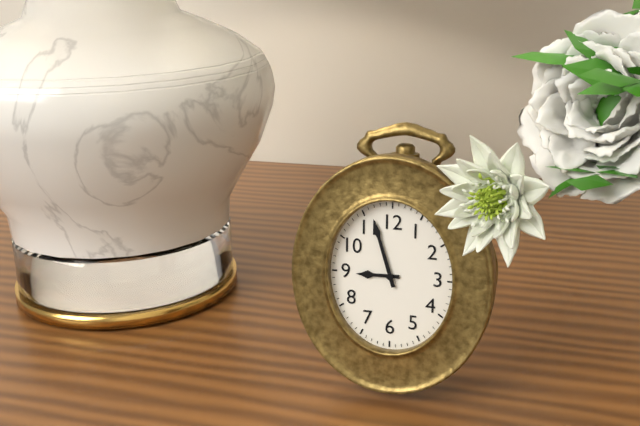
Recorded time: 8h57
